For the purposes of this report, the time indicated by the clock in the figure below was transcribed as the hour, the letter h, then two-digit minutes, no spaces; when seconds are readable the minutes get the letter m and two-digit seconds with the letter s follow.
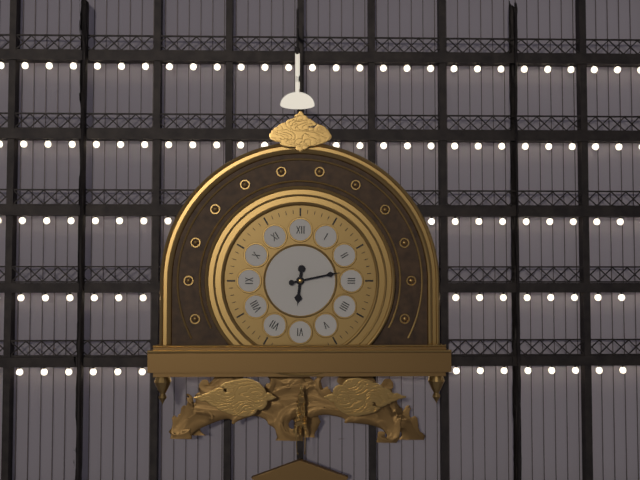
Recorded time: 6h13
